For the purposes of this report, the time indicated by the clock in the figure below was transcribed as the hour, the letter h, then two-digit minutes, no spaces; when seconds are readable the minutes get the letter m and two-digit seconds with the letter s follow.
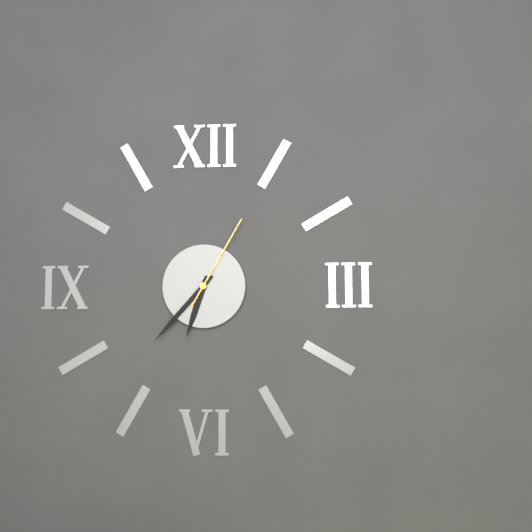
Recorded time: 6h37m05s
